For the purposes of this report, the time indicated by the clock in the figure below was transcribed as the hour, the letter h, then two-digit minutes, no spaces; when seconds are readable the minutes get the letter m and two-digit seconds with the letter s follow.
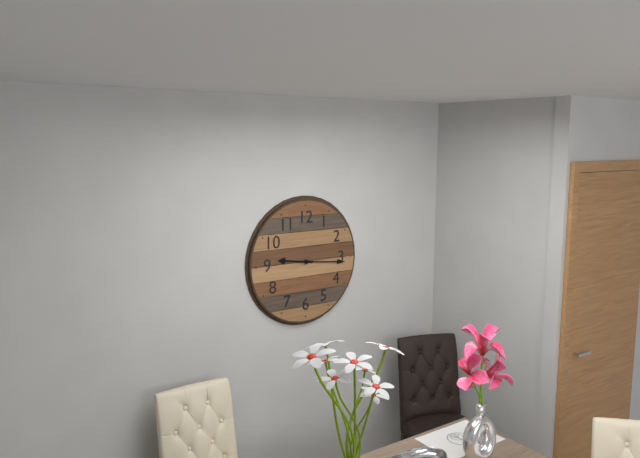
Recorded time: 9h16
